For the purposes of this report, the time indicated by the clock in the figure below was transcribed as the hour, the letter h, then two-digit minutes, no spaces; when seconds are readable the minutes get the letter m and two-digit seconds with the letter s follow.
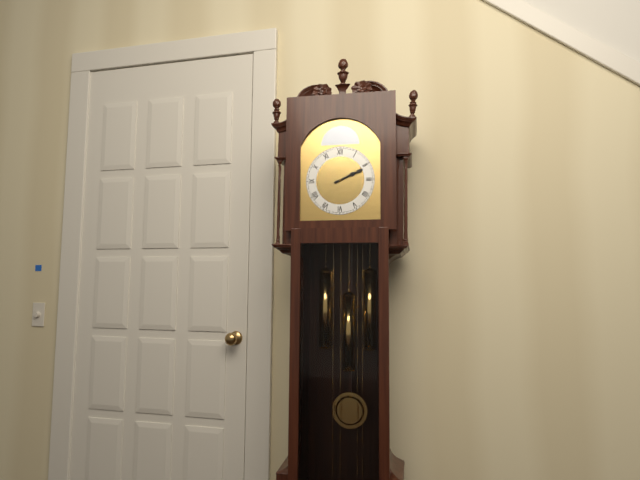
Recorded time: 2h11
